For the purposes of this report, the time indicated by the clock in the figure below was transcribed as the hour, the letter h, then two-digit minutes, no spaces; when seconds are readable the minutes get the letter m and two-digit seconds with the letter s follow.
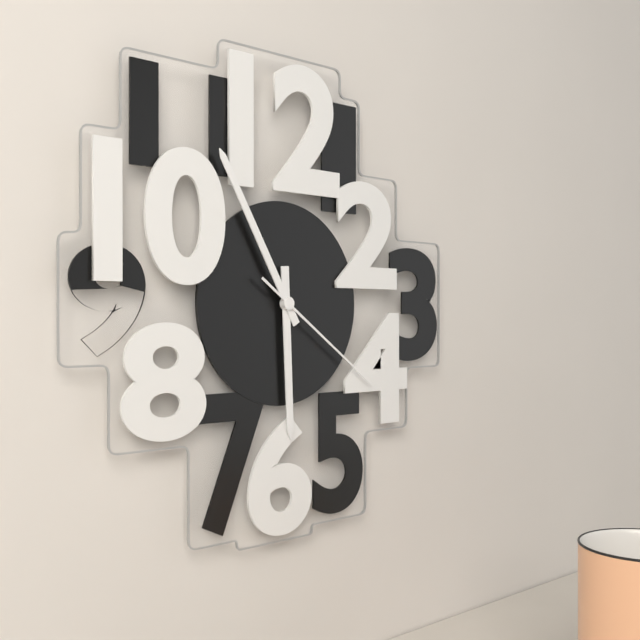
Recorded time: 5h55m21s
